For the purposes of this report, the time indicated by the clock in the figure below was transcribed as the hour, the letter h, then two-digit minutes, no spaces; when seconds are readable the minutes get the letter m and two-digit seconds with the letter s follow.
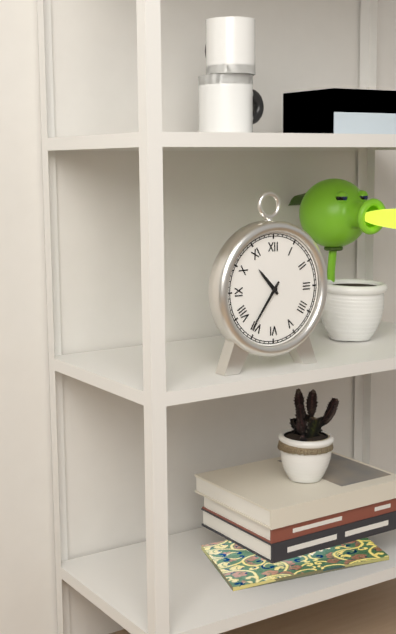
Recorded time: 10h36
